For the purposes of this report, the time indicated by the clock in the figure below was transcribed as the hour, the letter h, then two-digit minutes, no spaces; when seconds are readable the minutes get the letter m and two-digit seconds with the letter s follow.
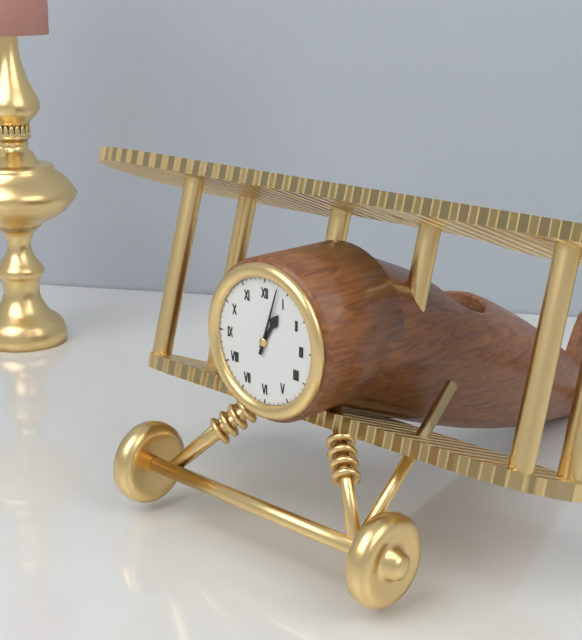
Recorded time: 1h03
